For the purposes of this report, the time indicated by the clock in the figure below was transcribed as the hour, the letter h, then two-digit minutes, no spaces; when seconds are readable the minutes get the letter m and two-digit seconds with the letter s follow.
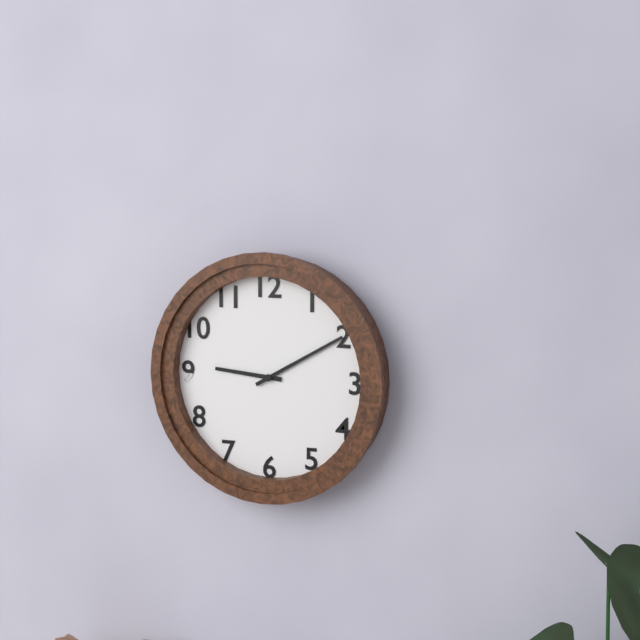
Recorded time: 9h10
